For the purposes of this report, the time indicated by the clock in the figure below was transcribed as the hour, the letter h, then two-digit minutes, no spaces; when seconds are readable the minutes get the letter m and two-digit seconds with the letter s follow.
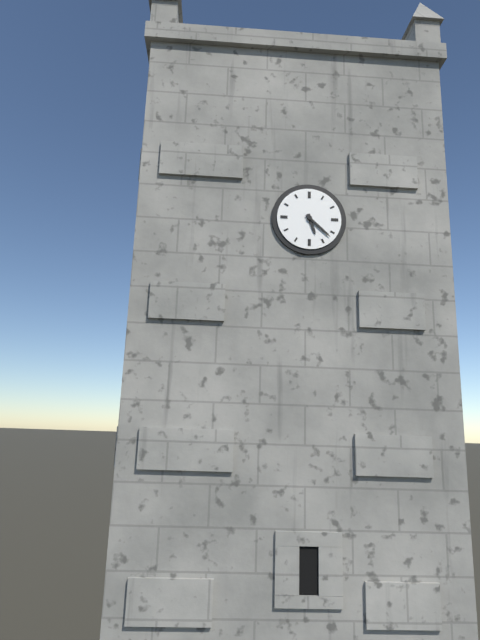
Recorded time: 5h22
